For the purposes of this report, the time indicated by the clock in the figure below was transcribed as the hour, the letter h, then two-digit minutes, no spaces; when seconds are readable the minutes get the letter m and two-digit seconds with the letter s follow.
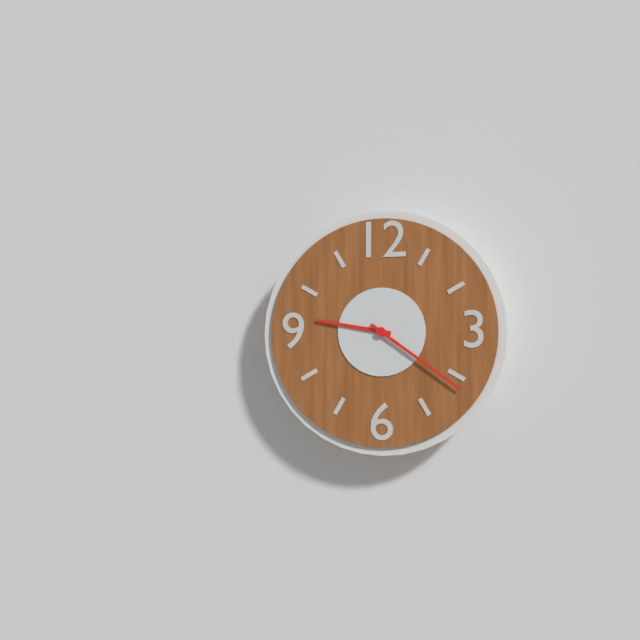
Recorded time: 9h21
